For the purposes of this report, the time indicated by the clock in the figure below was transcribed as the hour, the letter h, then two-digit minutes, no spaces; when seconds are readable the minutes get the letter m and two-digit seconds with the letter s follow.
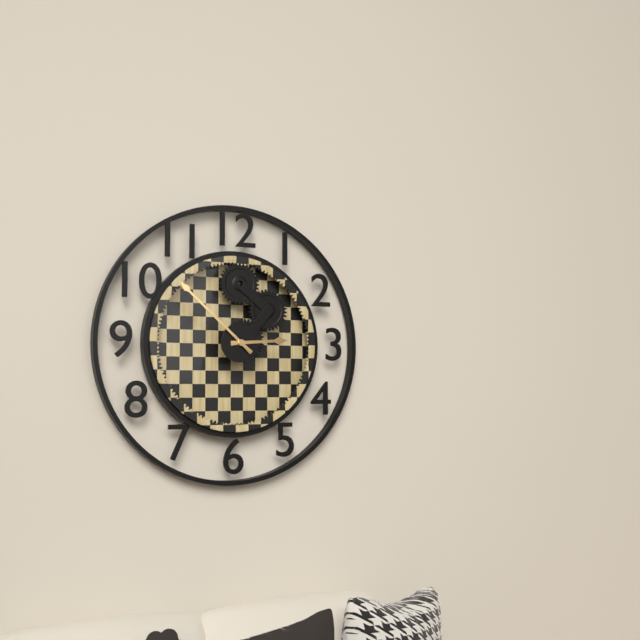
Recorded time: 2h52
